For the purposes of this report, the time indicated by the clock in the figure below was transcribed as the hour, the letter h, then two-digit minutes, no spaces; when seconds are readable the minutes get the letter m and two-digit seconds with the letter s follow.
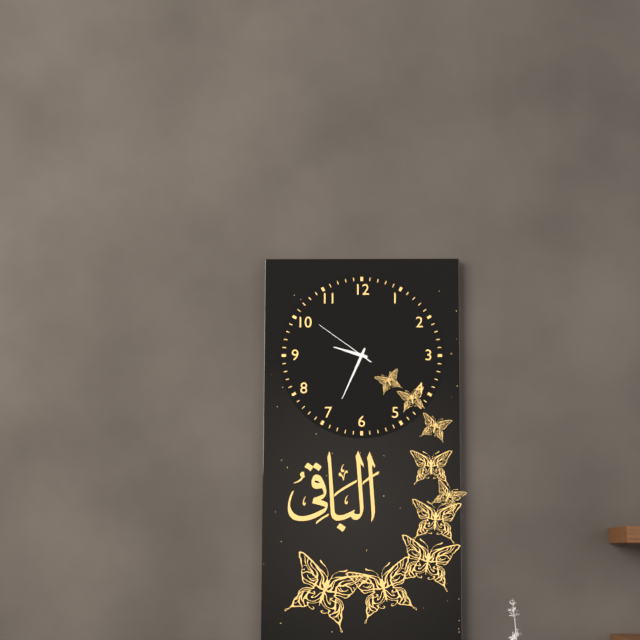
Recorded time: 9h34m51s
